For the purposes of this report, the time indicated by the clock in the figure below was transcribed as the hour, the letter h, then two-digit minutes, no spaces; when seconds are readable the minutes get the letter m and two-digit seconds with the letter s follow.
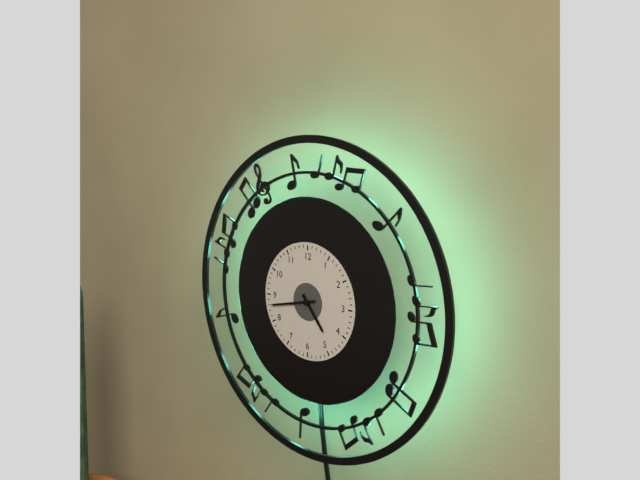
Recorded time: 4h43
